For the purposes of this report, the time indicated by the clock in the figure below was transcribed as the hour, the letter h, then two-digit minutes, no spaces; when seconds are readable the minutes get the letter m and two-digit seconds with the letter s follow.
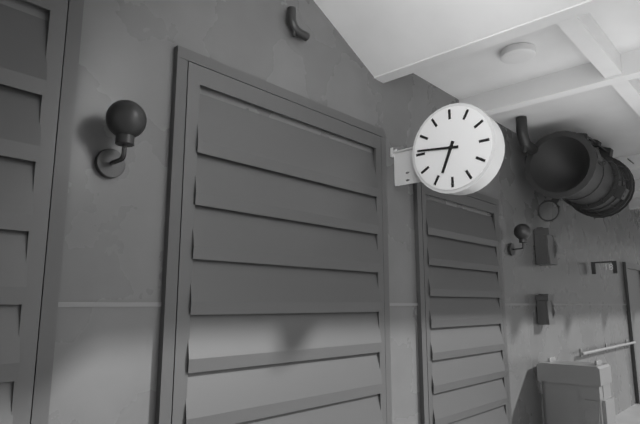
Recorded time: 6h46
